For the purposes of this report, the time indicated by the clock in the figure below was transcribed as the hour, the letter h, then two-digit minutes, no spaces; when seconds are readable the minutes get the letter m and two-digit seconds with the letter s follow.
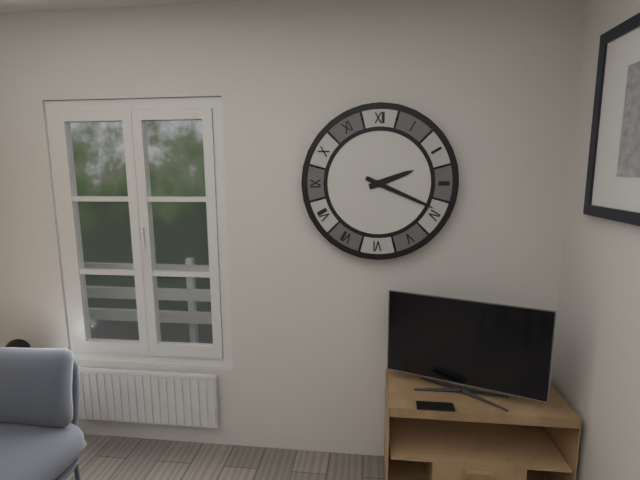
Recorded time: 2h19
